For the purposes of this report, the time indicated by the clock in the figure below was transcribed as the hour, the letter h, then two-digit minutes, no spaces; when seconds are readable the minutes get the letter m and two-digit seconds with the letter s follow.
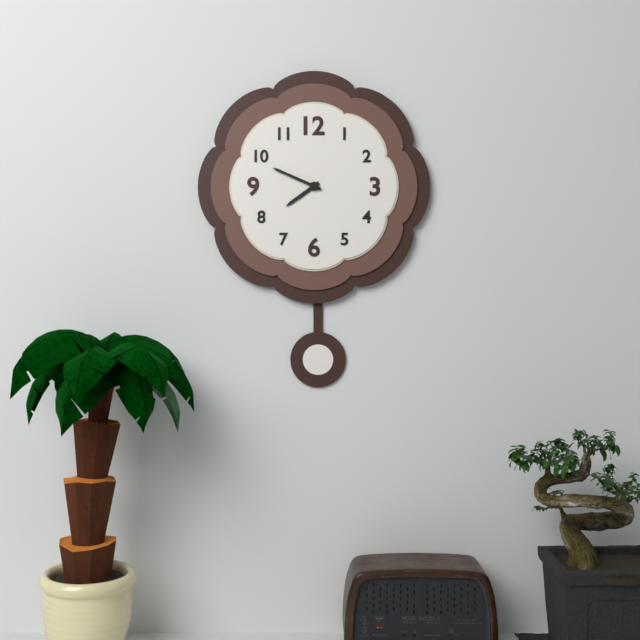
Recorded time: 7h49
